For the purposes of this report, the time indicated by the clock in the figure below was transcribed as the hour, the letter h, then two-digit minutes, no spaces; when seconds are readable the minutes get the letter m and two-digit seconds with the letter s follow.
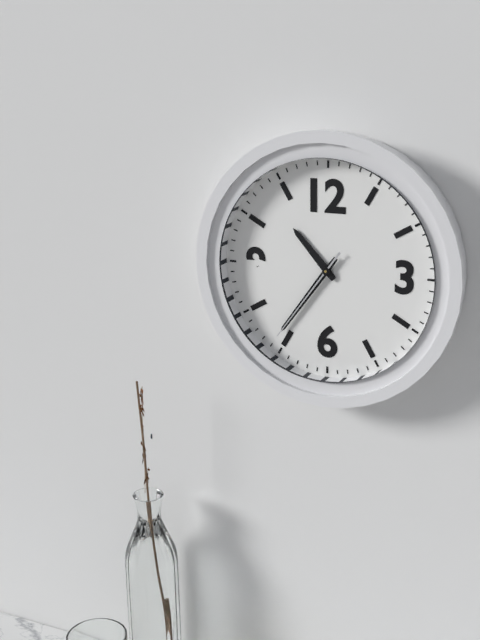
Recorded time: 10h36m36s
